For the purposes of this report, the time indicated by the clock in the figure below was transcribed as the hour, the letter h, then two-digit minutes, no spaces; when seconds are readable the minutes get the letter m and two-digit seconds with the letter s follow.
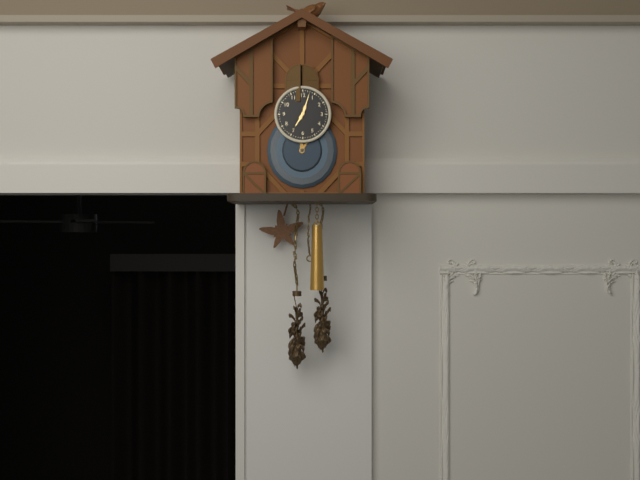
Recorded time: 7h03
